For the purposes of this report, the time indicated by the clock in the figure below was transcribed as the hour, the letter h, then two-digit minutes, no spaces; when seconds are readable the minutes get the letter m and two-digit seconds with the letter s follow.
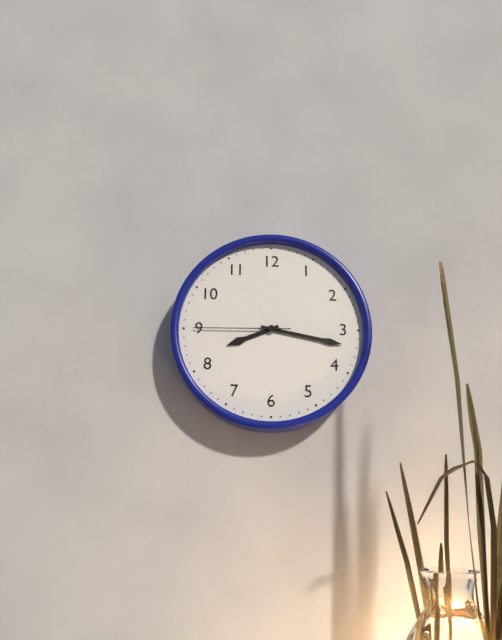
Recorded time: 8h17m45s
